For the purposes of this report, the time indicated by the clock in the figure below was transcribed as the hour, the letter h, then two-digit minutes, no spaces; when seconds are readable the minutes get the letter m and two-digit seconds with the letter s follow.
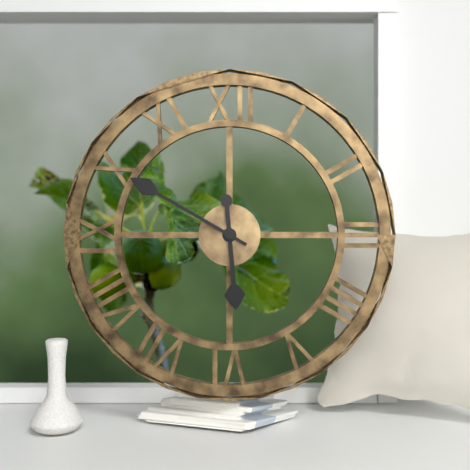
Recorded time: 5h50
